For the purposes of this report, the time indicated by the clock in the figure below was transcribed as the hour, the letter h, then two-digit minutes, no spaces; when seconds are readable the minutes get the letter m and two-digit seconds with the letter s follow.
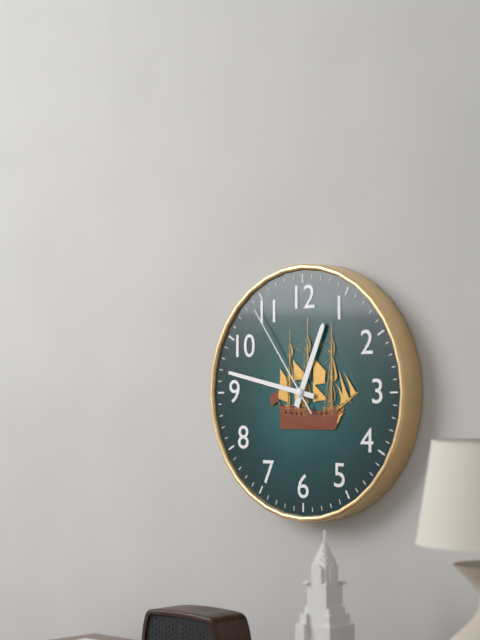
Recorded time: 12h47m54s
